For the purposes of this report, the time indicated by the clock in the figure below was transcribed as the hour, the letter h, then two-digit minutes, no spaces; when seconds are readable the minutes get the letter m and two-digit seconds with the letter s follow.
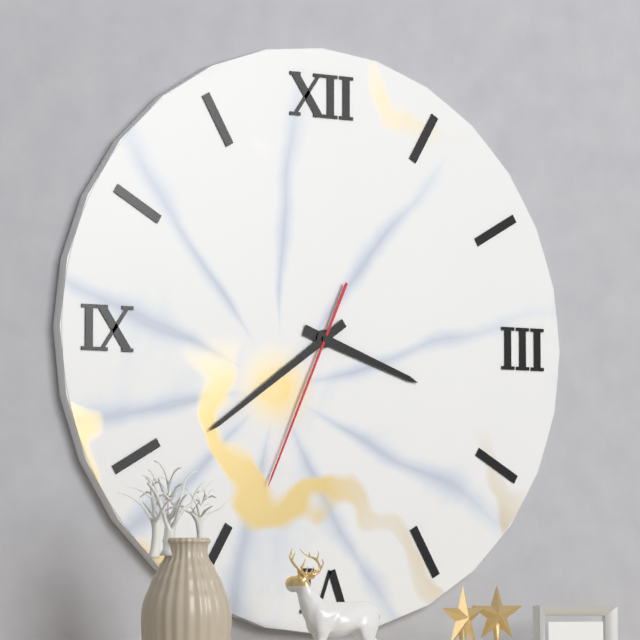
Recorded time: 3h39m34s
